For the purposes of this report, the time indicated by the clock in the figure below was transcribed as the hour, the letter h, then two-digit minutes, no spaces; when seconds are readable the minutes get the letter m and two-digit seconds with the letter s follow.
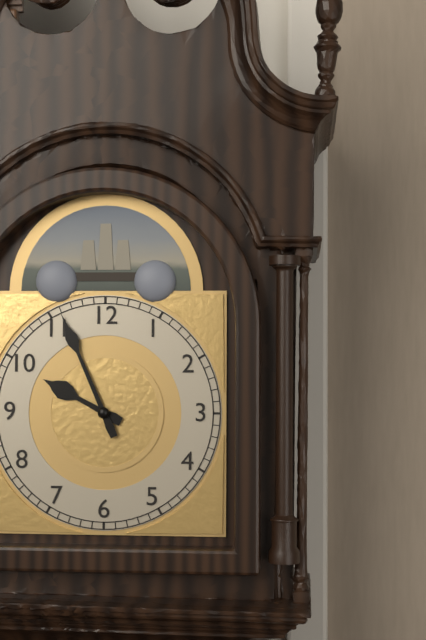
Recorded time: 9h56
